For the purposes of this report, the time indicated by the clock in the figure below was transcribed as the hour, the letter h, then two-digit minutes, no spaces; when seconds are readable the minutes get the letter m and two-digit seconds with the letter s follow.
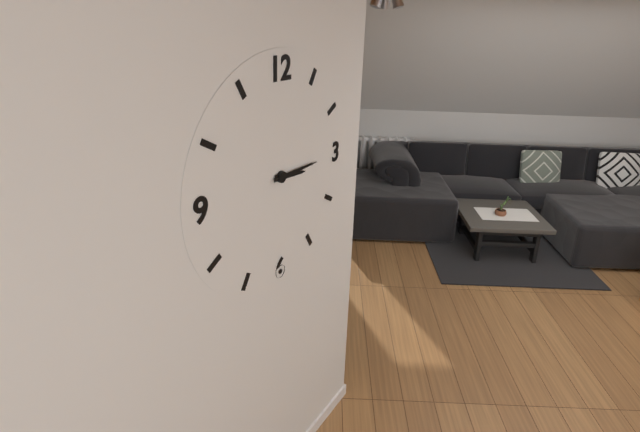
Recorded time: 3h15
